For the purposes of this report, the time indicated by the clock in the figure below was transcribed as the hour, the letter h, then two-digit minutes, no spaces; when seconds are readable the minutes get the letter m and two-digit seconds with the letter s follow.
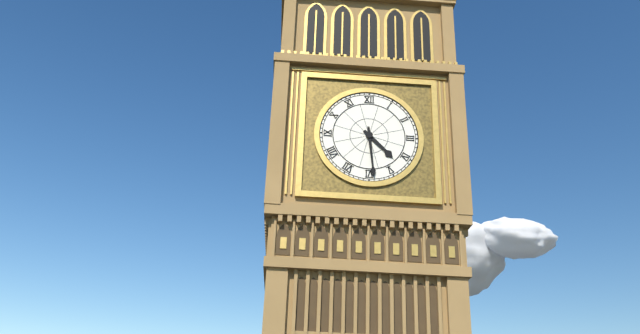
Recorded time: 4h29
